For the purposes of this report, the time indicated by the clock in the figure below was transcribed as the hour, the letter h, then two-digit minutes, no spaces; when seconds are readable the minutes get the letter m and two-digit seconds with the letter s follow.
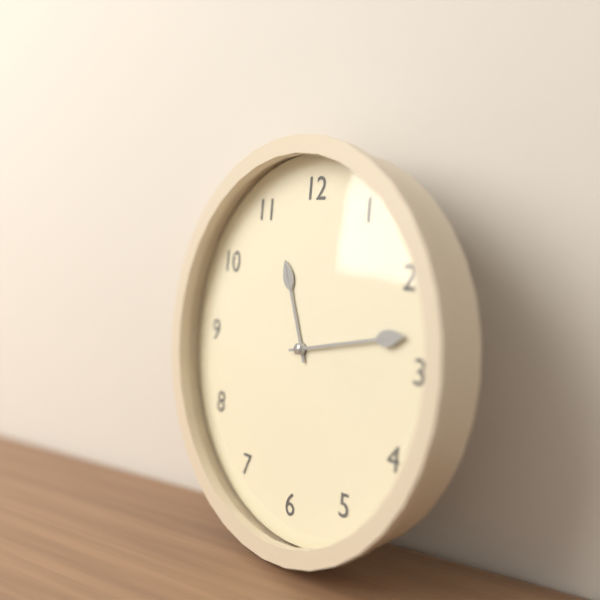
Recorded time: 11h13
